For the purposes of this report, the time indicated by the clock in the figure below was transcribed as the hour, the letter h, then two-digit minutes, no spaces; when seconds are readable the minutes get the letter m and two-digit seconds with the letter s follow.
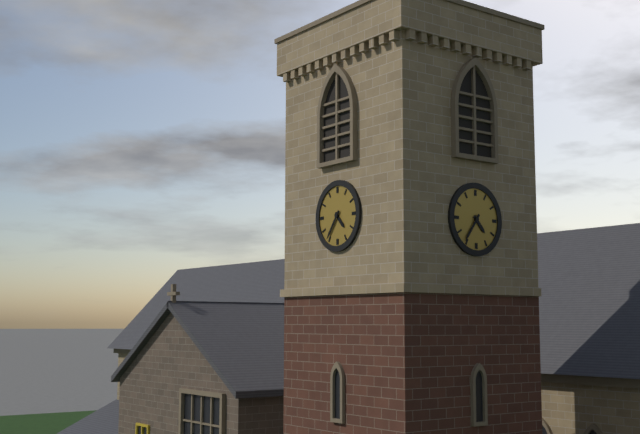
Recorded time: 4h36
